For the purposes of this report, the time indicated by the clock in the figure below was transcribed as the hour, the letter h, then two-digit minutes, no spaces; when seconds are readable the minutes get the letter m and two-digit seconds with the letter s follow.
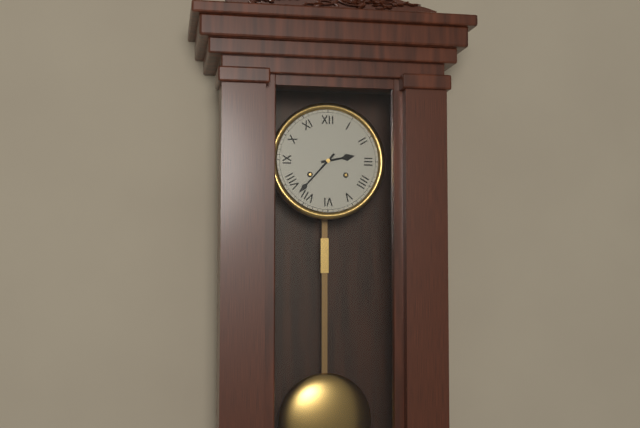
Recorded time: 2h37
